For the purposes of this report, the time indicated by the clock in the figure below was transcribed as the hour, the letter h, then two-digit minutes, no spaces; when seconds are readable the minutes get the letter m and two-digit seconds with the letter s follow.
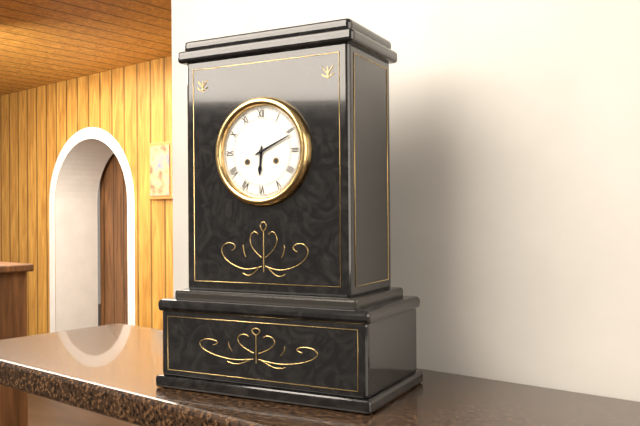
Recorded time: 6h11
